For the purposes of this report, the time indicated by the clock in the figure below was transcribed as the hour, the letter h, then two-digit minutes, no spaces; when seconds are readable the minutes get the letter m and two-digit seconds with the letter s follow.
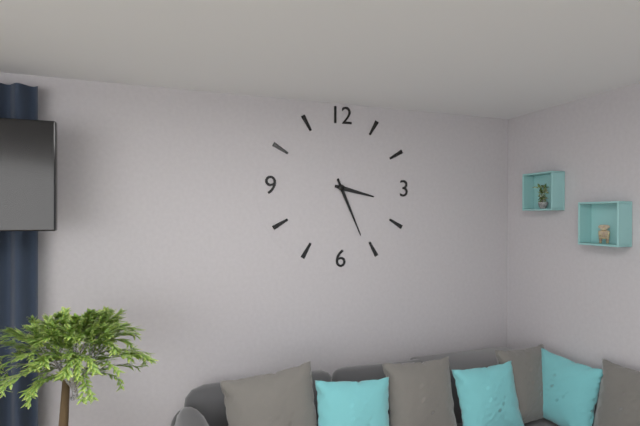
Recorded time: 3h26
